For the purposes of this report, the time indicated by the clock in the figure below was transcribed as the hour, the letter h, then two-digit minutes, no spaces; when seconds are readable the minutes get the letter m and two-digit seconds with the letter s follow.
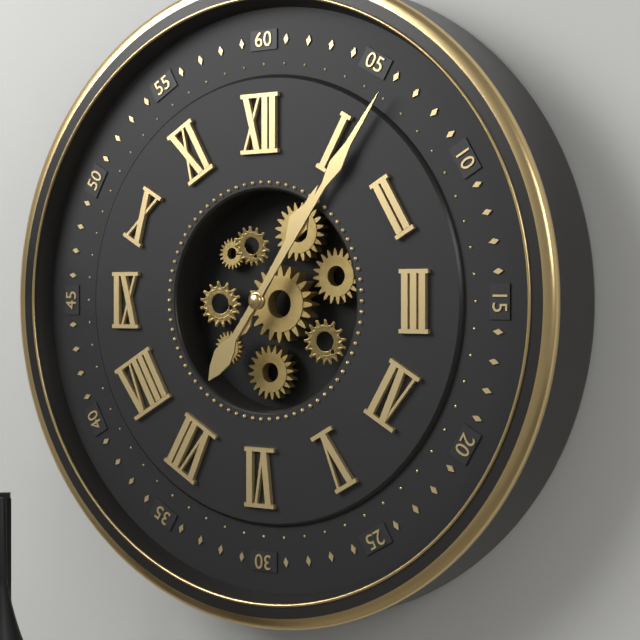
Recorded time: 1h06
